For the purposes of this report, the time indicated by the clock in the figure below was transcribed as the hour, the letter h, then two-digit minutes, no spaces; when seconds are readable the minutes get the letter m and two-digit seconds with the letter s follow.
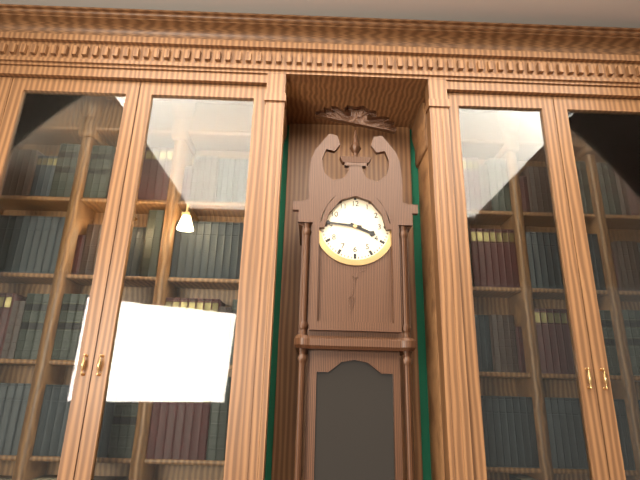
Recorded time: 3h46
